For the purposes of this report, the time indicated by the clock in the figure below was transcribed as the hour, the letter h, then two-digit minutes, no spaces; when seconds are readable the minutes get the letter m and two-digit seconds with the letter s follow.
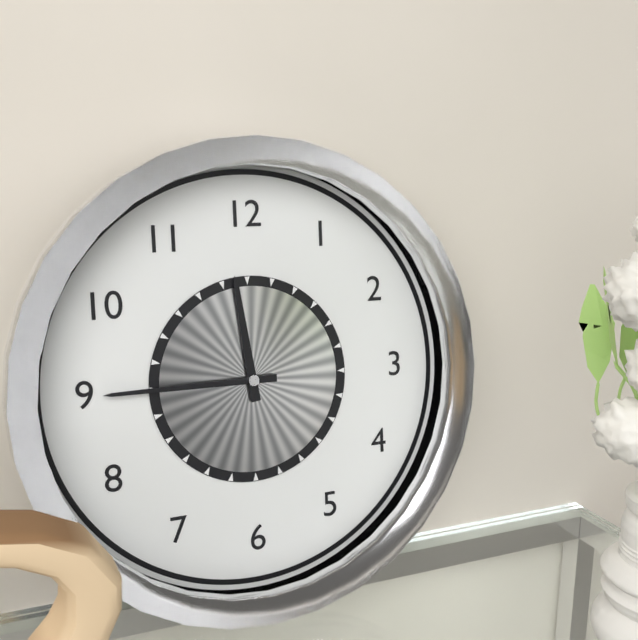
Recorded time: 11h45
